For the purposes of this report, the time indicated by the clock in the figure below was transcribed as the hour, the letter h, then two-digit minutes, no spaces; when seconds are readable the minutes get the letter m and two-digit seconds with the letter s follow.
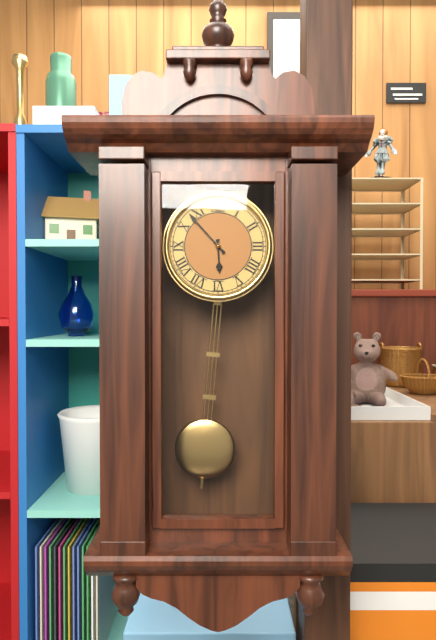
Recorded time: 5h53
